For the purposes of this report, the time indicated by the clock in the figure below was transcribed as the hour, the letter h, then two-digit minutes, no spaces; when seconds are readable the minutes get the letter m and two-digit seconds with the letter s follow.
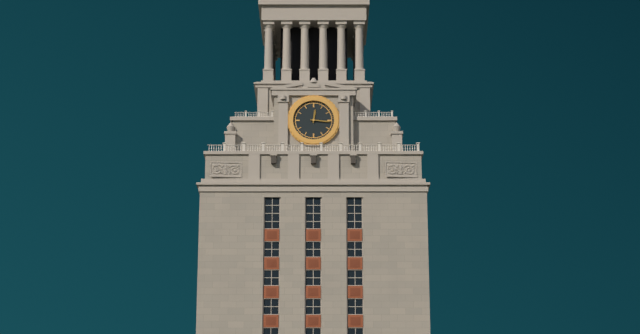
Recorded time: 12h16
